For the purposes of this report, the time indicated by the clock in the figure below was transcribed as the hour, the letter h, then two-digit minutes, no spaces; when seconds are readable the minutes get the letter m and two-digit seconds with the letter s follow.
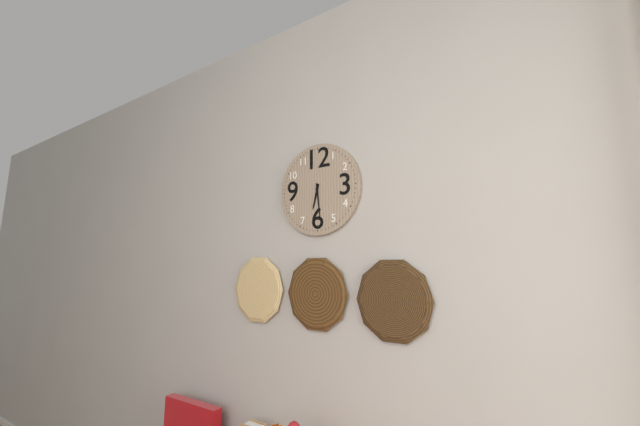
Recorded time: 6h29
